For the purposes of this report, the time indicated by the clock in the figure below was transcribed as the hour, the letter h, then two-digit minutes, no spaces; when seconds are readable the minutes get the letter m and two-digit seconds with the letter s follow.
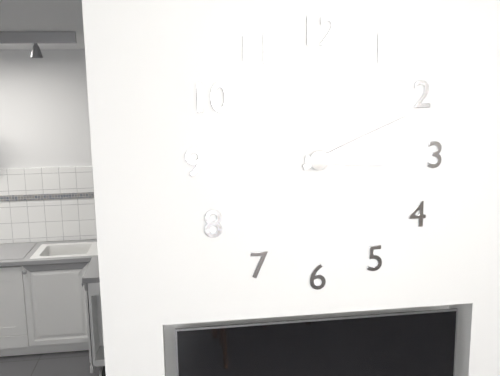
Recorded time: 3h11
